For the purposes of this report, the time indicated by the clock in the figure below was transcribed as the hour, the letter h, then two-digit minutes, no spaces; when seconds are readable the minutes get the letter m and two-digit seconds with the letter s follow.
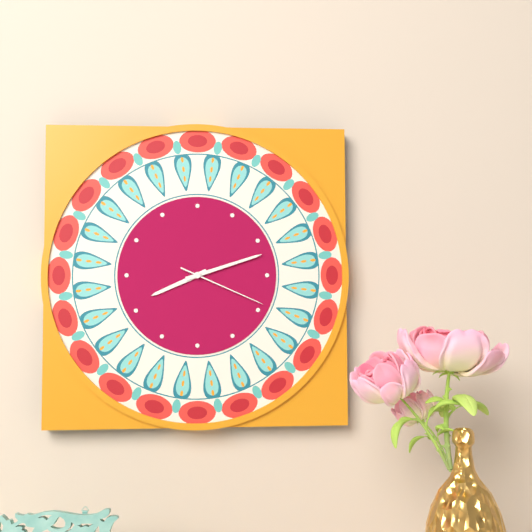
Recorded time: 8h12m19s
